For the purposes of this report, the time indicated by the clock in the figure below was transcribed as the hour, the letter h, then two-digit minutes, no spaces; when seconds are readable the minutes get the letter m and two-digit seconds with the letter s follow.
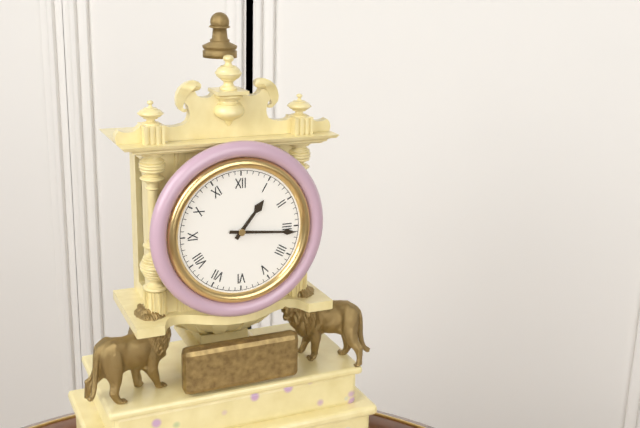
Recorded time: 1h16
